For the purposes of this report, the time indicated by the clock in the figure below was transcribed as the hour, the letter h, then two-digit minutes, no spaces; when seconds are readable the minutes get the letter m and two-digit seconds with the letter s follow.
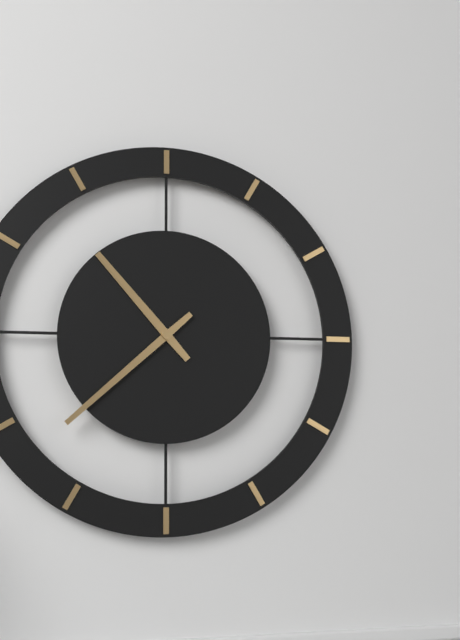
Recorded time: 10h38
